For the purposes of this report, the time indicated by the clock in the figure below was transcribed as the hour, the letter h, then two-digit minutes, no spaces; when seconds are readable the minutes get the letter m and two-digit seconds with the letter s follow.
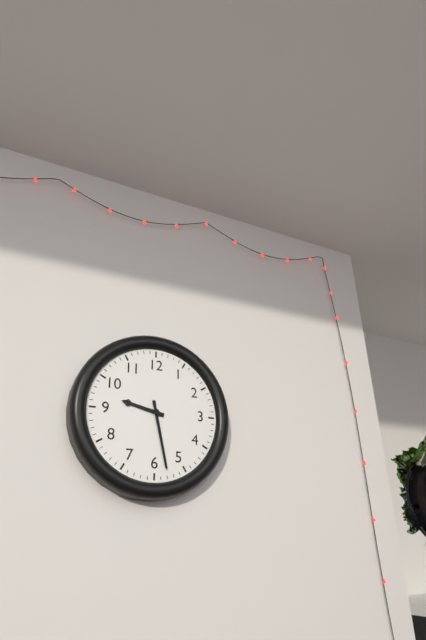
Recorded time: 9h28
